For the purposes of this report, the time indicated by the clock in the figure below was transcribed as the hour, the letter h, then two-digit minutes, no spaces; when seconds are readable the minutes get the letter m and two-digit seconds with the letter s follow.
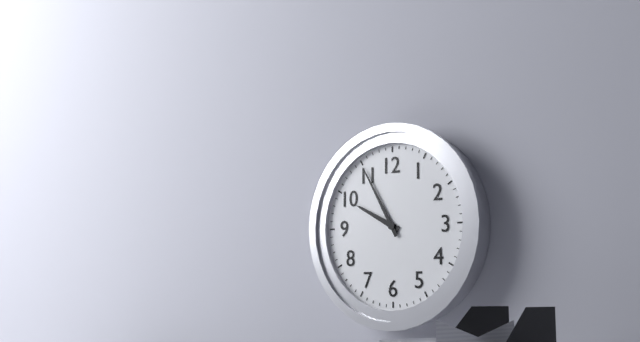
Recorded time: 9h55
